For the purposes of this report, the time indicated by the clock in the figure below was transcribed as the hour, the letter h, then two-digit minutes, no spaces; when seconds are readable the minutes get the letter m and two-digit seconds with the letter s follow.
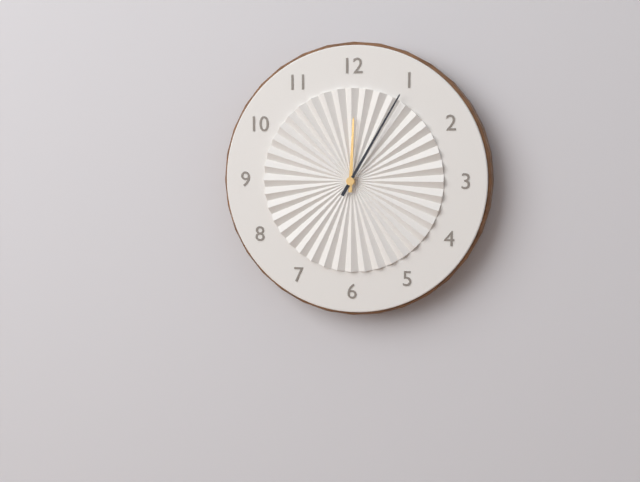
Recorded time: 12h05
